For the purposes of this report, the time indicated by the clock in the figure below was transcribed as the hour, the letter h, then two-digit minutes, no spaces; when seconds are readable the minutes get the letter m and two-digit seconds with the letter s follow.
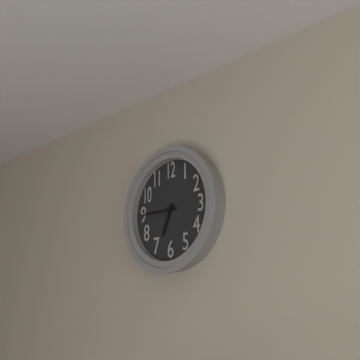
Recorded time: 6h45
